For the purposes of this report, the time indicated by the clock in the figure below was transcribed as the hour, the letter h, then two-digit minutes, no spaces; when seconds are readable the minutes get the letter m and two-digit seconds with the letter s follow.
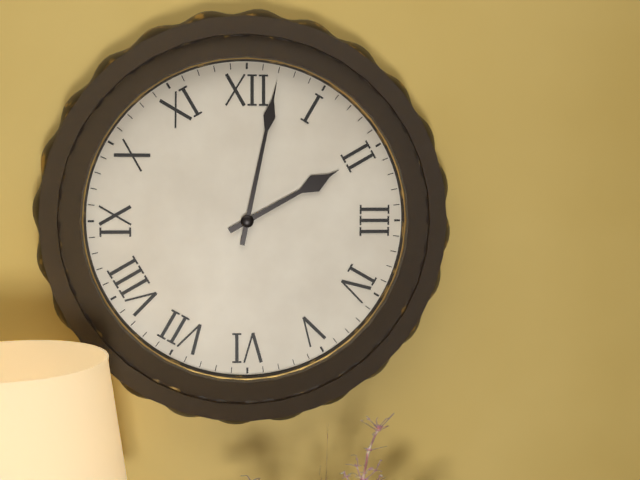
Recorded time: 2h02
